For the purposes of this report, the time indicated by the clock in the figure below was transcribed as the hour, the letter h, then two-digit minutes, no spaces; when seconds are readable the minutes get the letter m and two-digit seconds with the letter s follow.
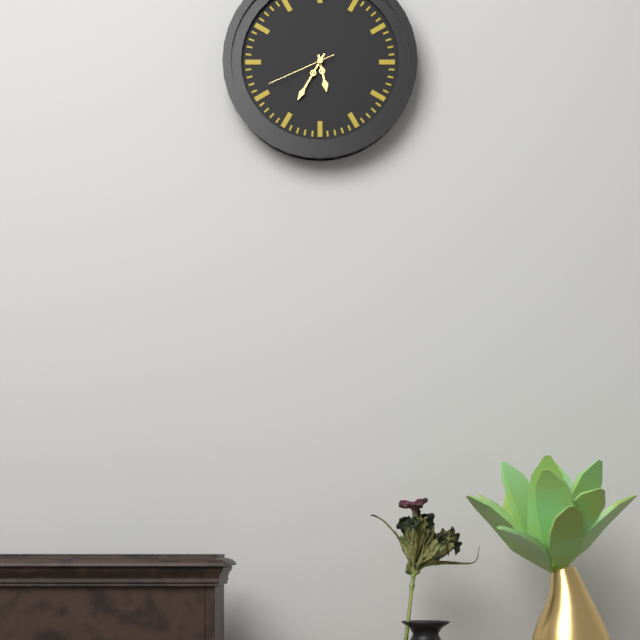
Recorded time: 5h35m41s
